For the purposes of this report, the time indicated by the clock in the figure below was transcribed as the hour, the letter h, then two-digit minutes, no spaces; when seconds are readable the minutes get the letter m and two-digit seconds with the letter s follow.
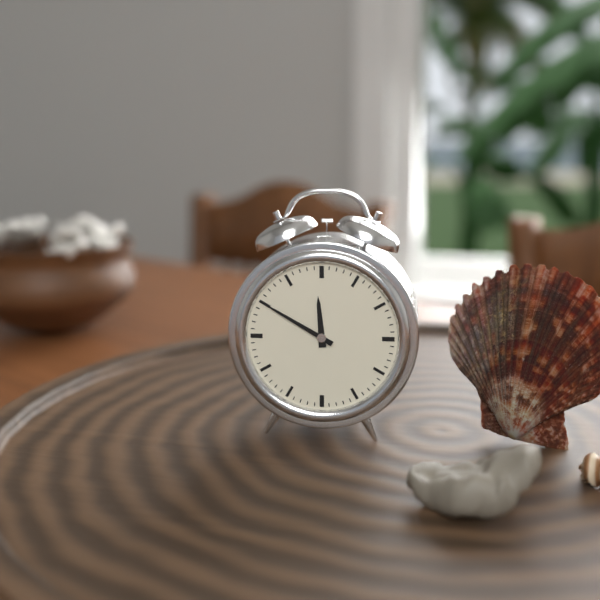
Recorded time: 11h50
